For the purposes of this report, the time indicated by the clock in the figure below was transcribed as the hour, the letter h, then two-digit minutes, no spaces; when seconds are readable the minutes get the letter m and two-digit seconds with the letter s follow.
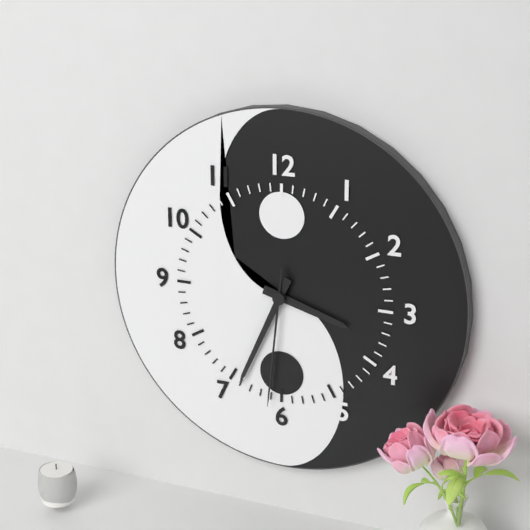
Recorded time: 3h34m31s
